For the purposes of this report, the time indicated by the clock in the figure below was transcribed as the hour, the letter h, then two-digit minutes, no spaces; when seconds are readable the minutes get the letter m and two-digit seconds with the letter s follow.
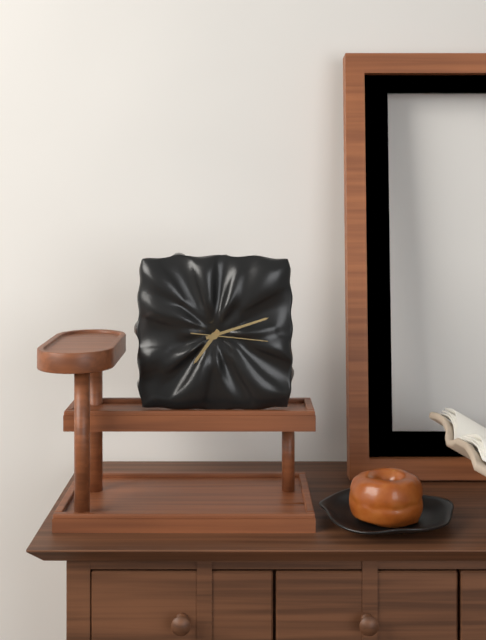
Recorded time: 7h12m16s
